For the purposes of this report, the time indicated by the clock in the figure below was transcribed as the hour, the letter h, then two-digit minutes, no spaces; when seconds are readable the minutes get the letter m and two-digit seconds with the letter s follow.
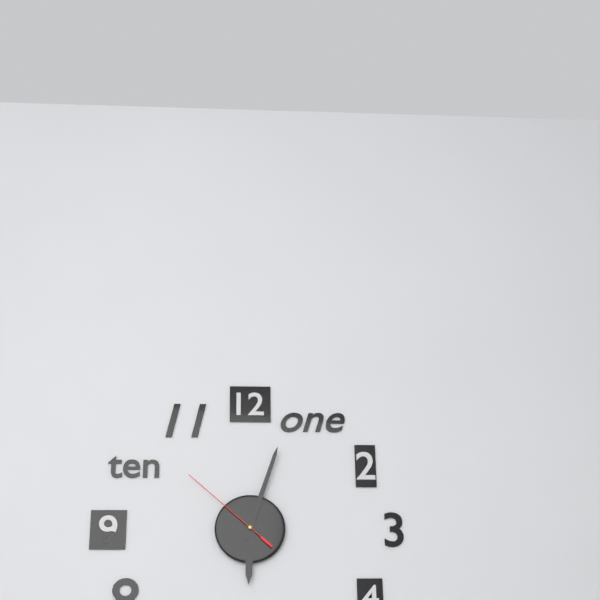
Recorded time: 6h03m52s
